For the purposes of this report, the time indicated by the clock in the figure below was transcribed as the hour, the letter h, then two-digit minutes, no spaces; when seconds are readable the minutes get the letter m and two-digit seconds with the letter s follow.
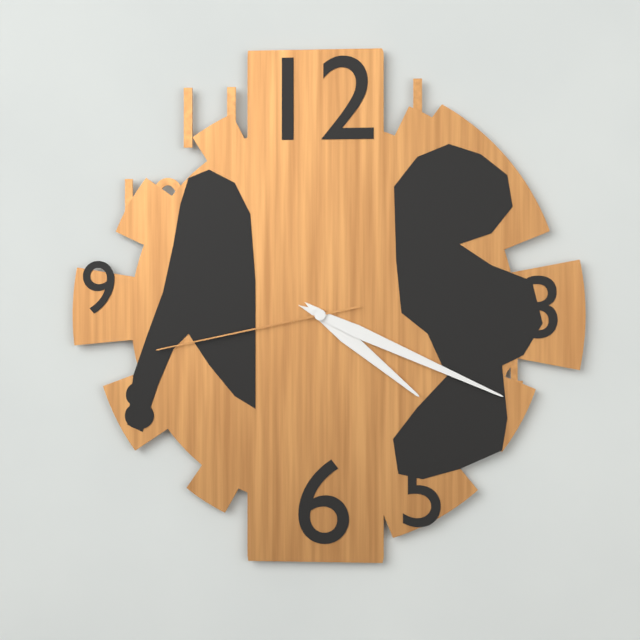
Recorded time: 4h19m43s
